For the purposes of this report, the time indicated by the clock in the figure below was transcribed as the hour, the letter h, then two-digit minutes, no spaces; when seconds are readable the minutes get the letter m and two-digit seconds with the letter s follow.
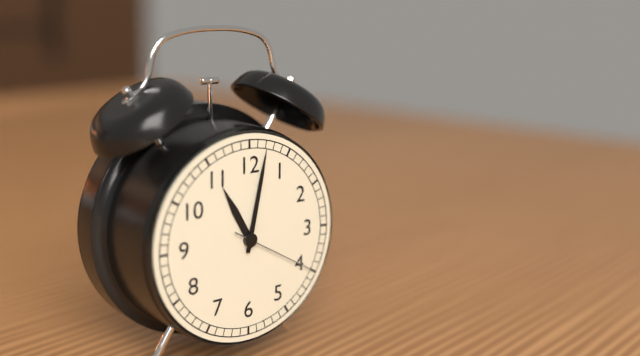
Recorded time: 11h02m20s
